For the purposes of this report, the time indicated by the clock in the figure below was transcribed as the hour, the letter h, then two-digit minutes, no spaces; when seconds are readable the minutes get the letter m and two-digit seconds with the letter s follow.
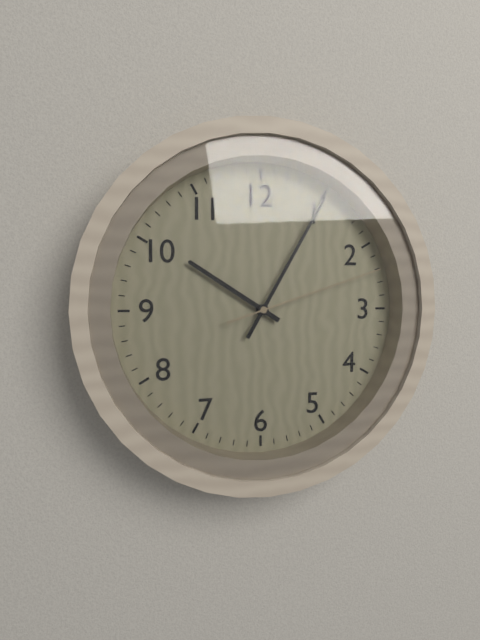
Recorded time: 10h05m12s
